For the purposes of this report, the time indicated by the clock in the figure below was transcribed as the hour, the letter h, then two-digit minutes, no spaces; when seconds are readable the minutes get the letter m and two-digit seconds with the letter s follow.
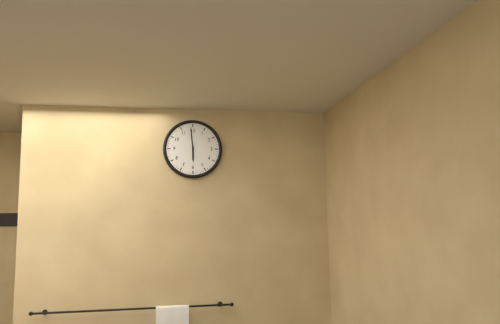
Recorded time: 5h59
